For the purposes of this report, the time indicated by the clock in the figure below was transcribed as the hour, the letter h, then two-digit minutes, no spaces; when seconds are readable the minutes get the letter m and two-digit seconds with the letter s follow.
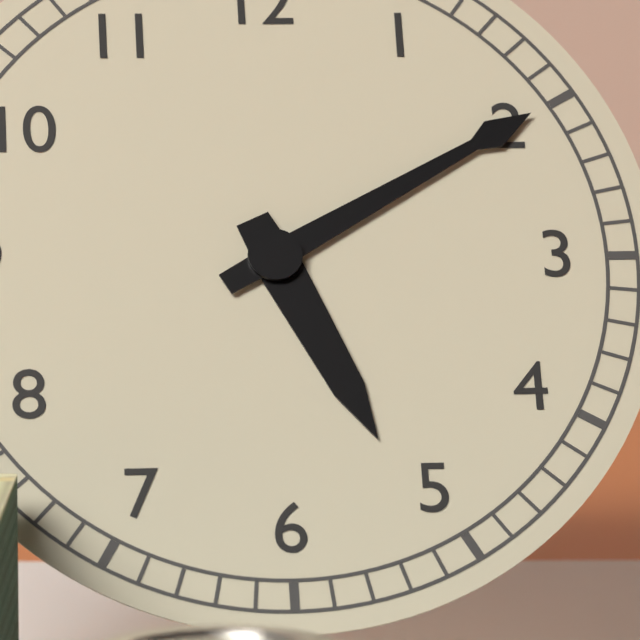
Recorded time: 5h10
